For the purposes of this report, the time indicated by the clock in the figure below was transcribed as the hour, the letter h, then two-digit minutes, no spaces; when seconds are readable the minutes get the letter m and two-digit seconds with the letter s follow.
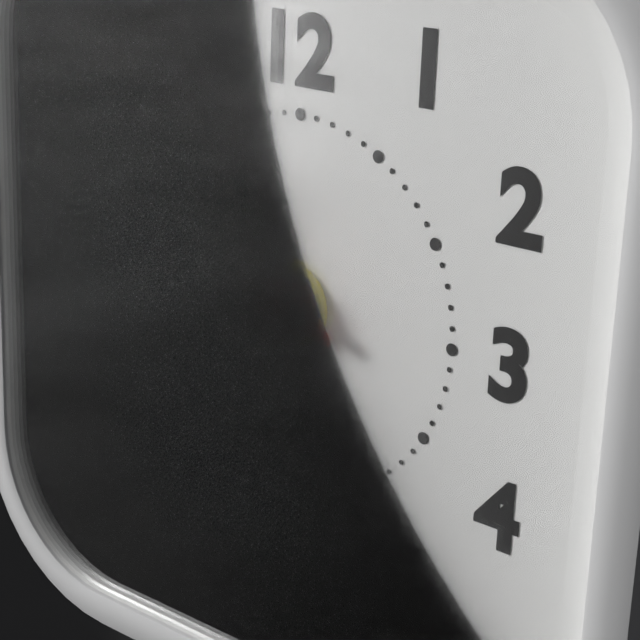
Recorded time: 10h46m48s
